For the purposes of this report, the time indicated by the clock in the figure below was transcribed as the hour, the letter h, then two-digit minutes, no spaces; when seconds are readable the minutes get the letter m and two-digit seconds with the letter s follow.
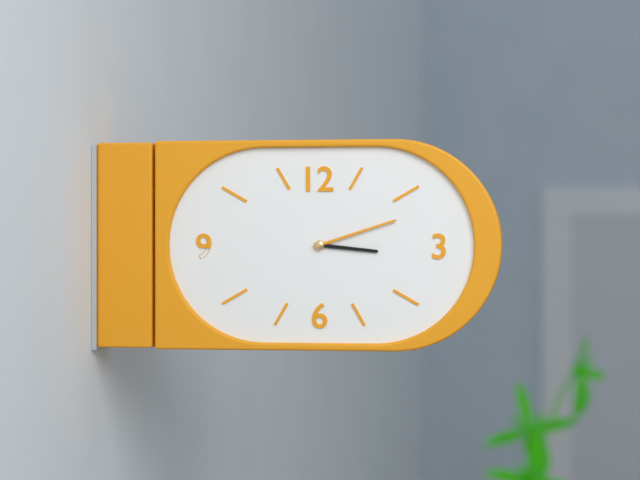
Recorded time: 3h12
